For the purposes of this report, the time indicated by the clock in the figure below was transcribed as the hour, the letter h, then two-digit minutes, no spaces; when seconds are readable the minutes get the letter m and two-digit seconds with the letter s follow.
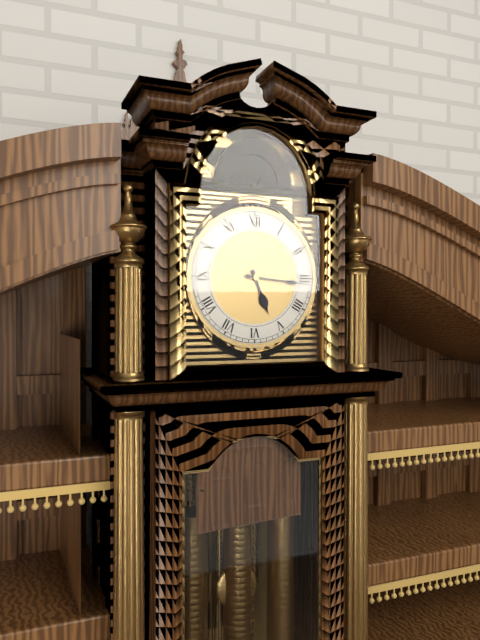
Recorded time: 5h16
